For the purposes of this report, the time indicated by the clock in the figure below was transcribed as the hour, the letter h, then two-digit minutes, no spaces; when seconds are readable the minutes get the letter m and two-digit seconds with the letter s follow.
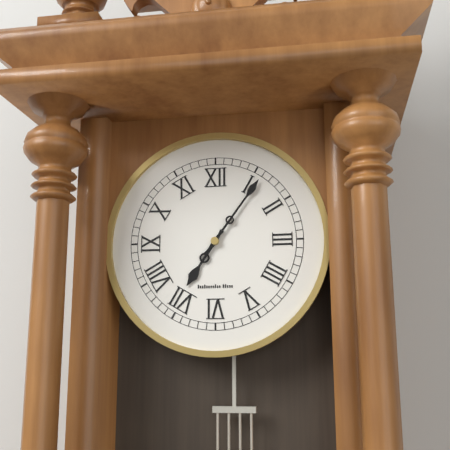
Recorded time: 7h06
